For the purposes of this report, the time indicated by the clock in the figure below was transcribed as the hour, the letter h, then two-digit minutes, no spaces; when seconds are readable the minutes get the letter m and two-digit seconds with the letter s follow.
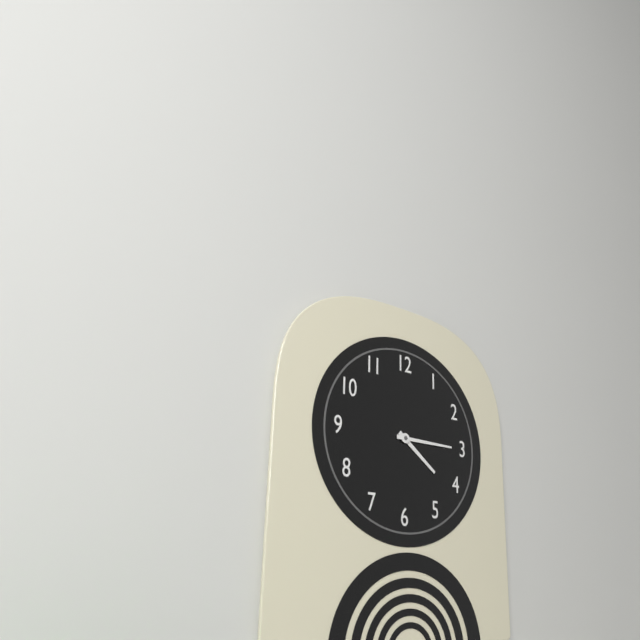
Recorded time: 4h15
